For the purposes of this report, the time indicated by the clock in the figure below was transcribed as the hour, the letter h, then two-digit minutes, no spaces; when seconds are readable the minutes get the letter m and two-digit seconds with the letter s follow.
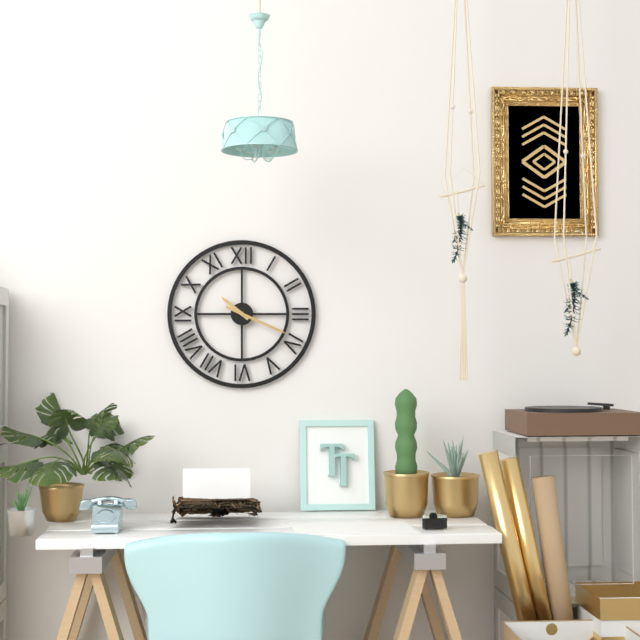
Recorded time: 10h19
